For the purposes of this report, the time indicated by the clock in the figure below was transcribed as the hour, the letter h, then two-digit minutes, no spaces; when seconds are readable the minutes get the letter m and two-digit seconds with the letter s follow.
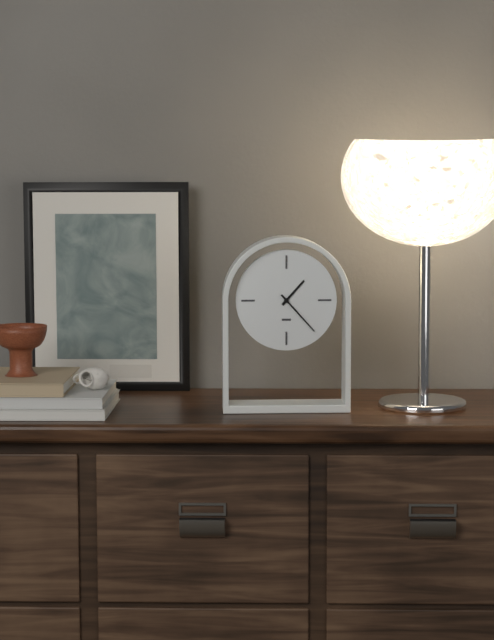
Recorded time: 1h23
